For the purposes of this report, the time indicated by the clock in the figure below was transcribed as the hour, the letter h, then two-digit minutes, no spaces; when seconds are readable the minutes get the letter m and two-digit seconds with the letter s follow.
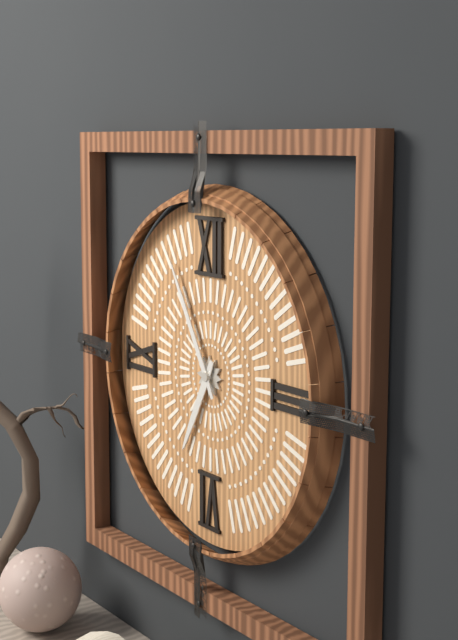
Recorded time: 6h55
